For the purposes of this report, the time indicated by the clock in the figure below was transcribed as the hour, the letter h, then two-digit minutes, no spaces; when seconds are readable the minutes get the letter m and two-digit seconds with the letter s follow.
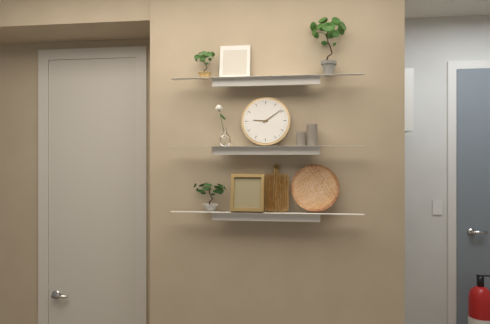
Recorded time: 9h09
